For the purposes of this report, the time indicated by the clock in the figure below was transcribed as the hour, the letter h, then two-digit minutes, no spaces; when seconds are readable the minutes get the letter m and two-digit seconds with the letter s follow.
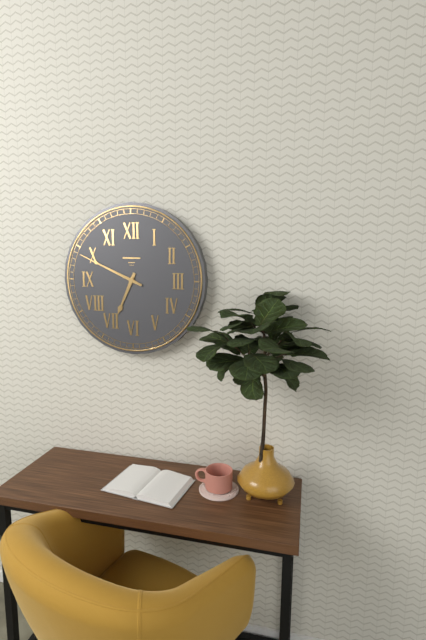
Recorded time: 6h49
